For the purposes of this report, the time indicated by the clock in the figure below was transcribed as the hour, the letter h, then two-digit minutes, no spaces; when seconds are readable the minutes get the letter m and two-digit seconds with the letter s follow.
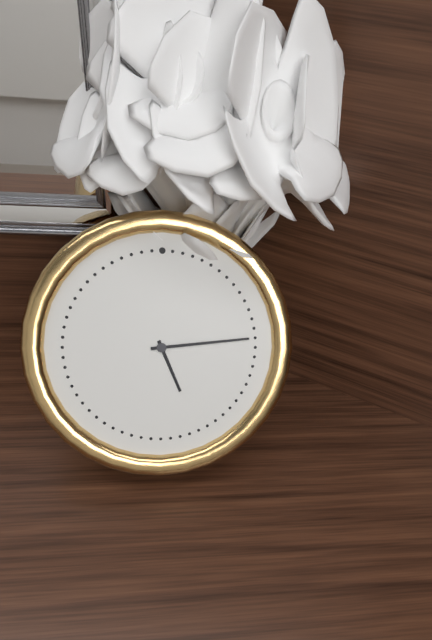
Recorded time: 5h14
